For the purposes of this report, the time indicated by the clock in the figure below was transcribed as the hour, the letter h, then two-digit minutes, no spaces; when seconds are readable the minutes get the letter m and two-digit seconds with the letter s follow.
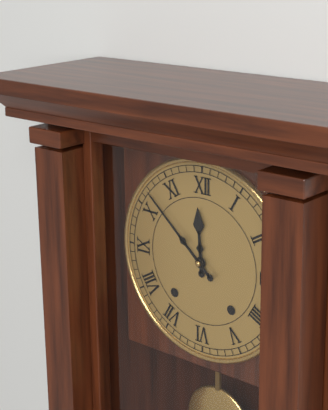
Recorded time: 11h52
